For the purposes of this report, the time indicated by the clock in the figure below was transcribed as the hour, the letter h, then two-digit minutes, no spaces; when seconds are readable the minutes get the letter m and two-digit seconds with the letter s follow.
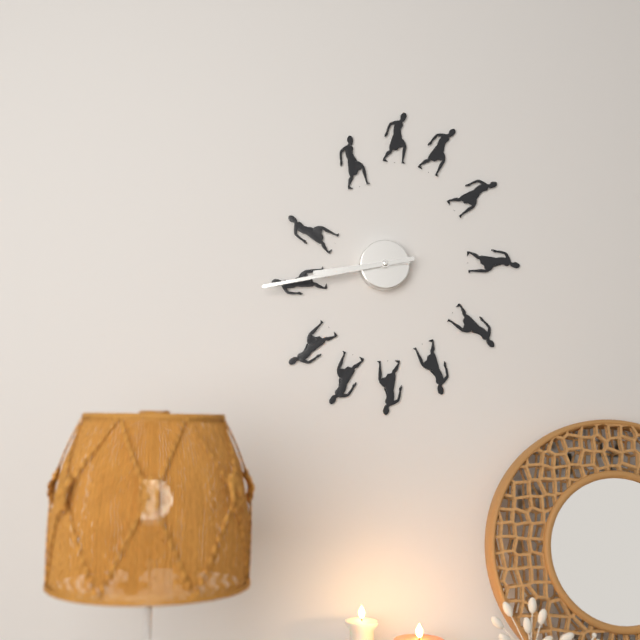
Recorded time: 8h43
